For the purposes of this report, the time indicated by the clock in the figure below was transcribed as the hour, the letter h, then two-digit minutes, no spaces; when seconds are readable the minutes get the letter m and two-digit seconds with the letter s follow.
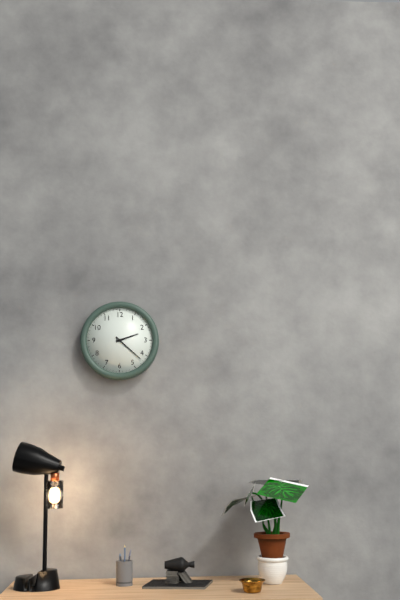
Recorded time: 2h22
